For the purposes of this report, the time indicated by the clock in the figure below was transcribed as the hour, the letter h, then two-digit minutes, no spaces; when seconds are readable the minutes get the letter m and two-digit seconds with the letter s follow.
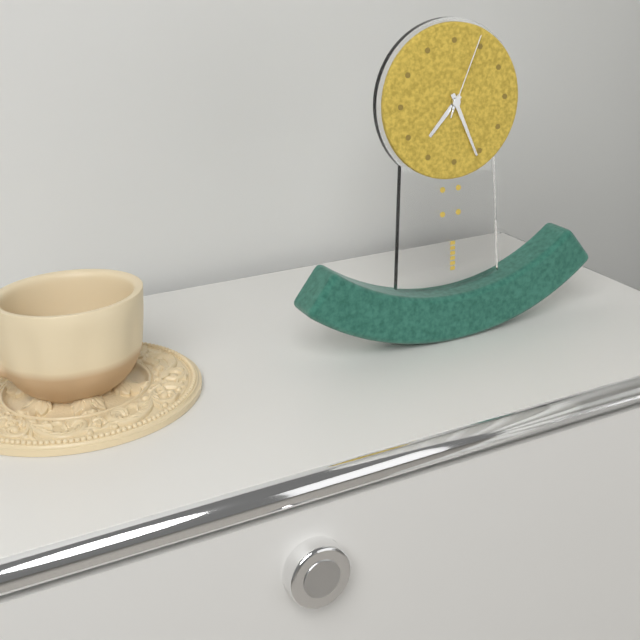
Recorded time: 7h26m04s
